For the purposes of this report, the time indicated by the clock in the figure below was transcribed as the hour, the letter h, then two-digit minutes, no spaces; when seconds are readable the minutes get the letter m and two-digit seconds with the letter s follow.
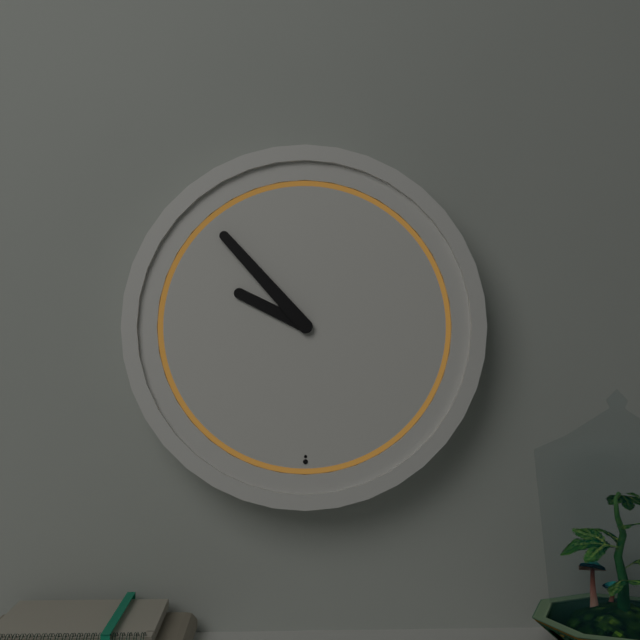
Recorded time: 9h53
